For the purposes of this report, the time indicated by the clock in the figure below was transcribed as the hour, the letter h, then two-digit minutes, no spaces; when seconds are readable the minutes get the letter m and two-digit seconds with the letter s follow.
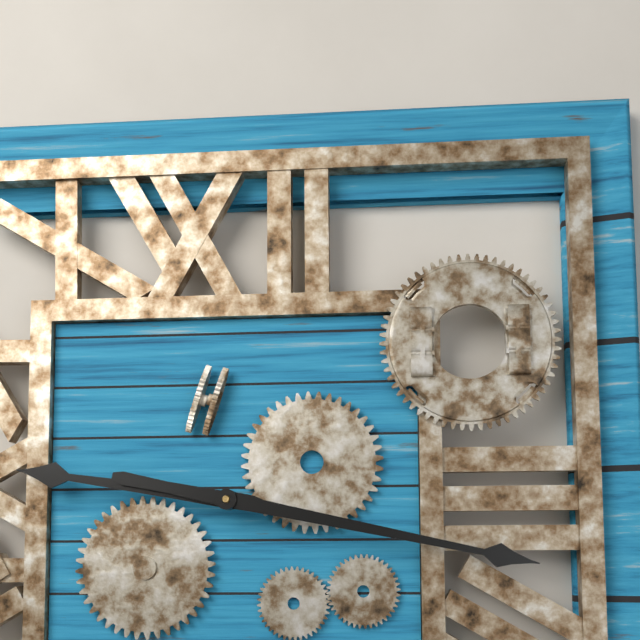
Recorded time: 9h17
